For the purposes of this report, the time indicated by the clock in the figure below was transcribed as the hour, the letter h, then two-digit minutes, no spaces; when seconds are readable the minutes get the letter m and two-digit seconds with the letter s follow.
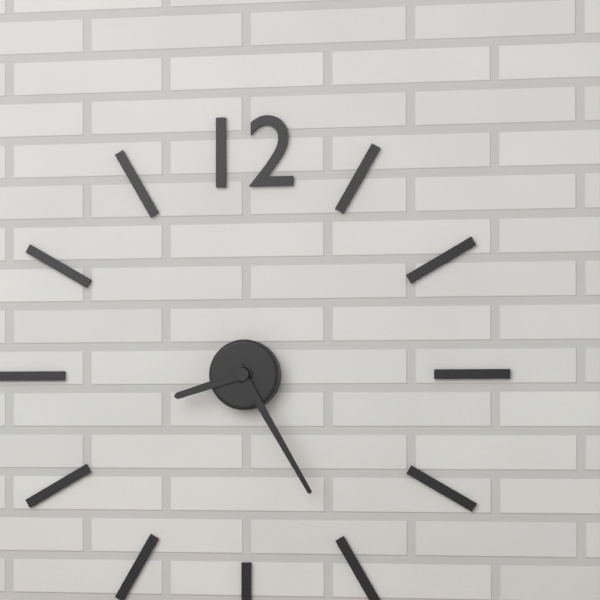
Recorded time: 8h25
